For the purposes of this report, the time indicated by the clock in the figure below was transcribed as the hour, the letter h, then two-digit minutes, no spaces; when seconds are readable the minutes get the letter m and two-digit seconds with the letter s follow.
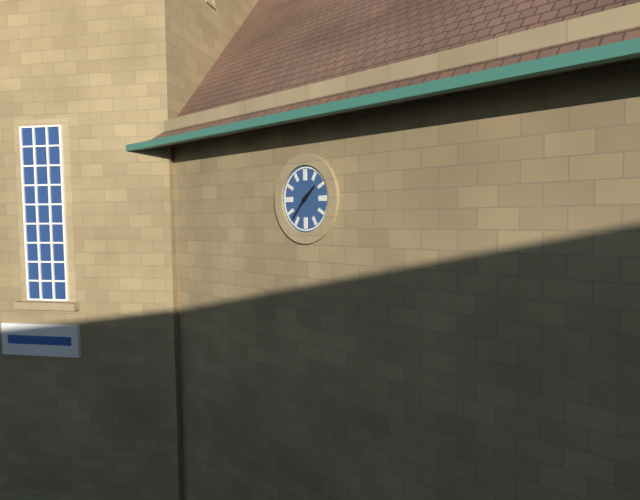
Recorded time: 1h37
